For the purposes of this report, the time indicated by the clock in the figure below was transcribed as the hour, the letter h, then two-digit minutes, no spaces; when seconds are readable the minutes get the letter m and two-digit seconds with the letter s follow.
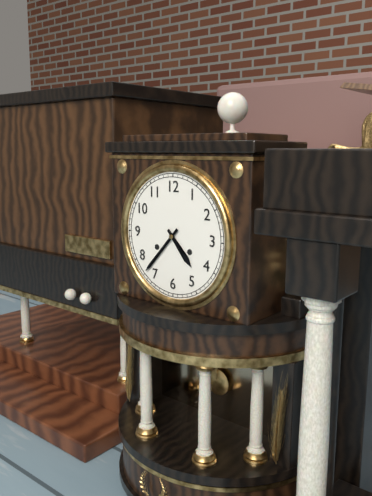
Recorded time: 4h37
